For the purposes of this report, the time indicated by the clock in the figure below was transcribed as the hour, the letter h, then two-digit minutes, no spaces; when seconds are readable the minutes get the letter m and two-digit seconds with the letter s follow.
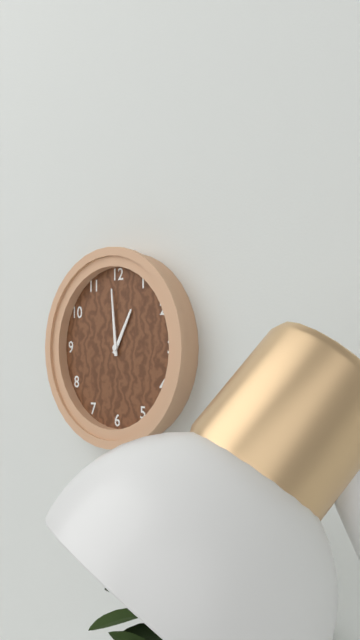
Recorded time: 12h59
